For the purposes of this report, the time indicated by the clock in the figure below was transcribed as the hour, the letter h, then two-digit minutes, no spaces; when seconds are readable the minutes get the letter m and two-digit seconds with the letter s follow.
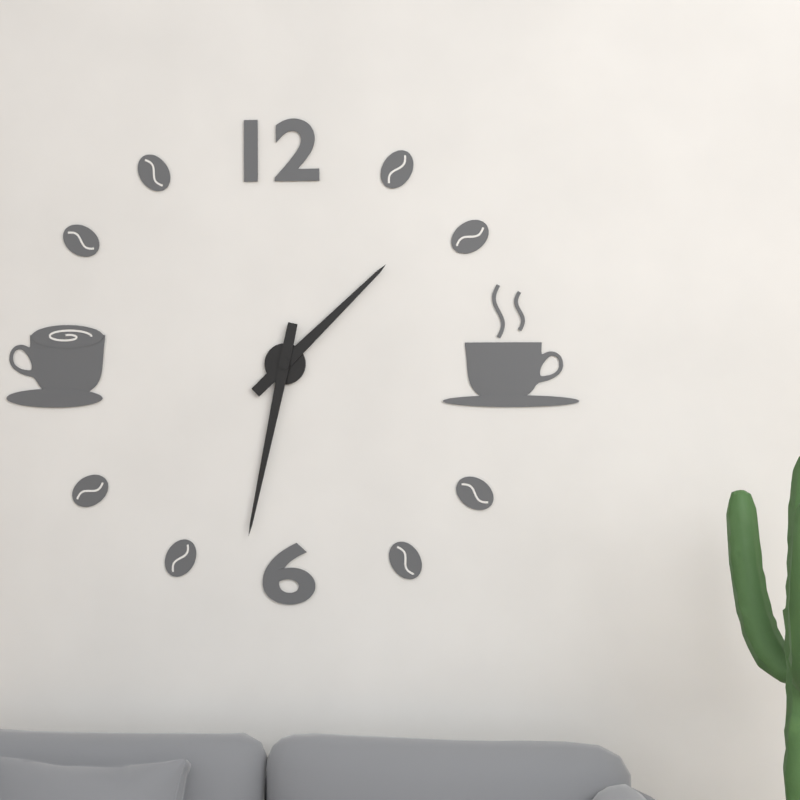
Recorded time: 1h32
